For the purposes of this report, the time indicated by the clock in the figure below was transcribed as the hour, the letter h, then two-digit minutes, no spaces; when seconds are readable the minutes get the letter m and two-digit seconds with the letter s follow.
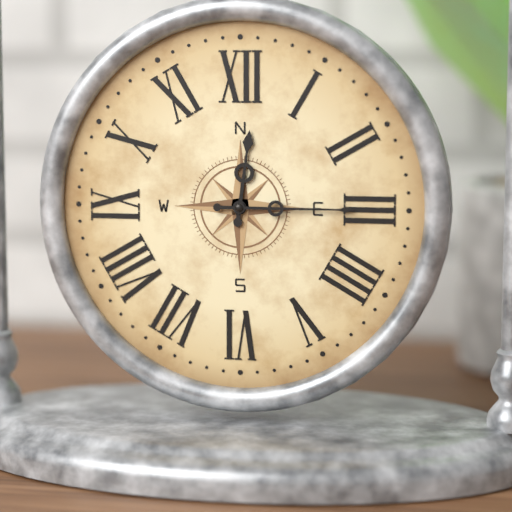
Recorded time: 12h15
